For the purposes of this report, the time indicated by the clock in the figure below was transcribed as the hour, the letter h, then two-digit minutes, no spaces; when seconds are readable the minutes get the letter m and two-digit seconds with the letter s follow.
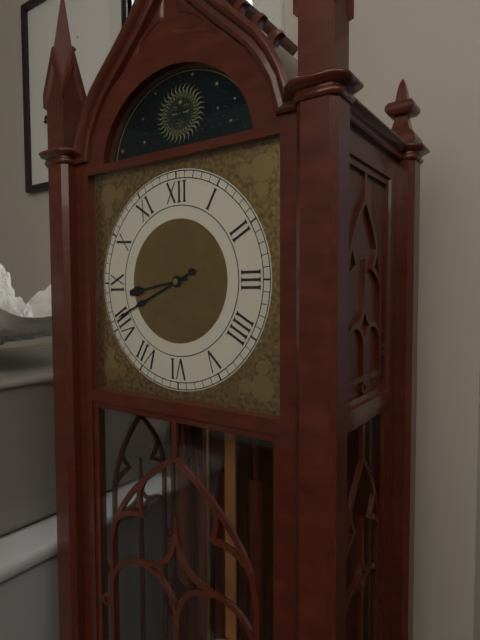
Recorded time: 8h41
